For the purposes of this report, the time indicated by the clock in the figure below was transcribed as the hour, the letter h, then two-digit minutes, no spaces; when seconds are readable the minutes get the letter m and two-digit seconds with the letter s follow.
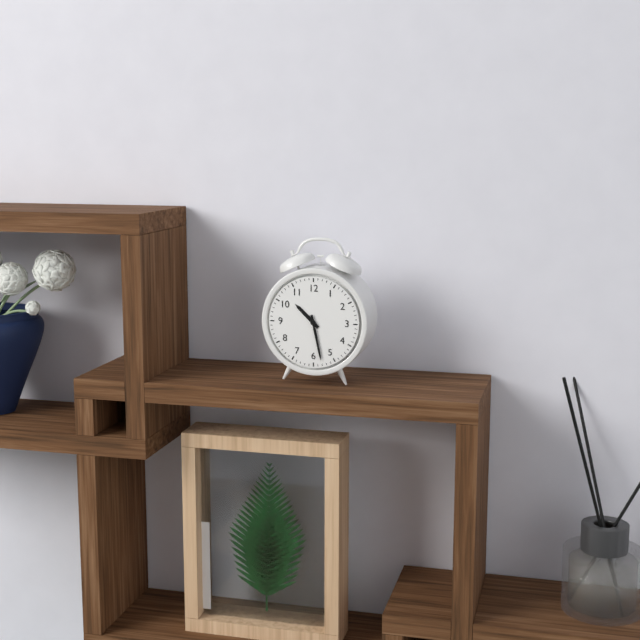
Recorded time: 10h28
